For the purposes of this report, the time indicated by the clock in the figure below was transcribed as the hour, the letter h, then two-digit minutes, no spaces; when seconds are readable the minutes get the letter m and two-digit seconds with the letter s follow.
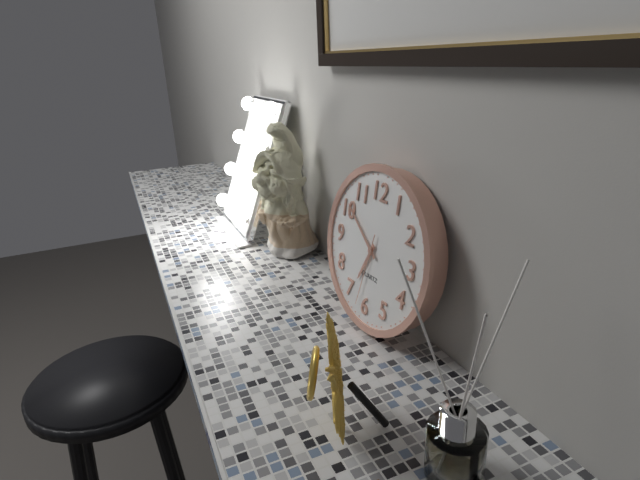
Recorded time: 6h51m32s
